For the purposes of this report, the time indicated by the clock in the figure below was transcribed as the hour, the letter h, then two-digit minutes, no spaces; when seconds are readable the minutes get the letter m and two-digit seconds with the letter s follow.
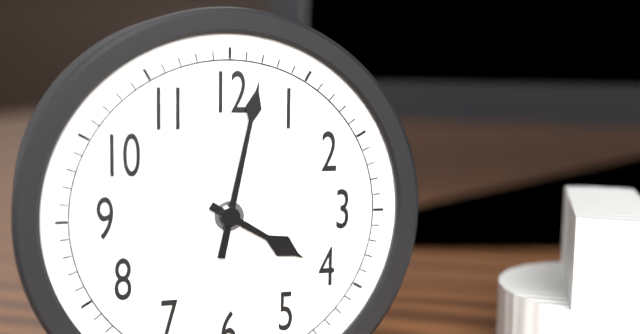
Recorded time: 4h02
